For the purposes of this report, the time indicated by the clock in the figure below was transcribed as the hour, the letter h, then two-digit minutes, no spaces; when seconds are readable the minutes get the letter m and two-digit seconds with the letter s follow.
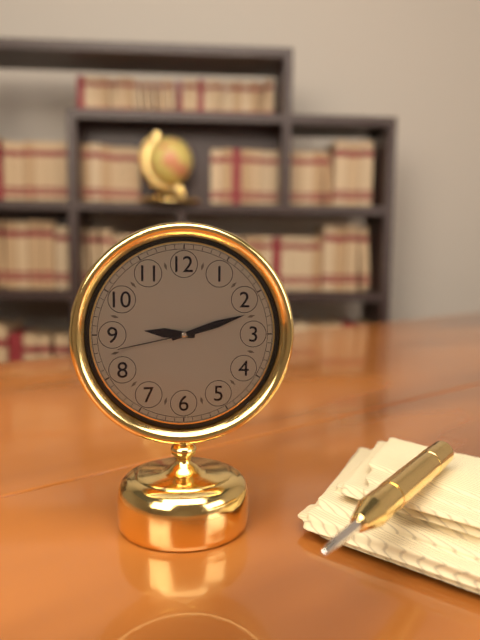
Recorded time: 9h12m43s
